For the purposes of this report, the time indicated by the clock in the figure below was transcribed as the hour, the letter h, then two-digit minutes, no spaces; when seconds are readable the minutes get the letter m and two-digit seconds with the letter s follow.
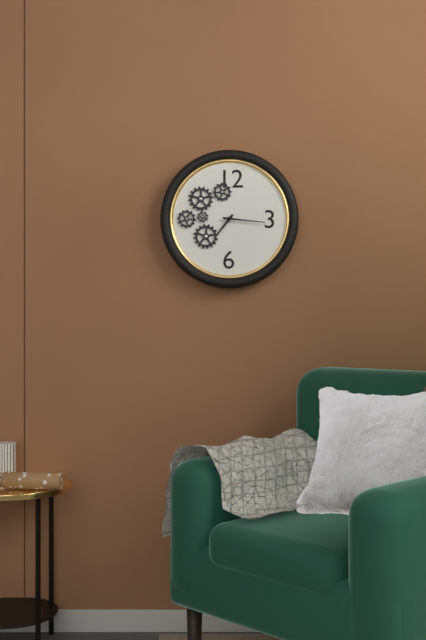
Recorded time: 7h16
